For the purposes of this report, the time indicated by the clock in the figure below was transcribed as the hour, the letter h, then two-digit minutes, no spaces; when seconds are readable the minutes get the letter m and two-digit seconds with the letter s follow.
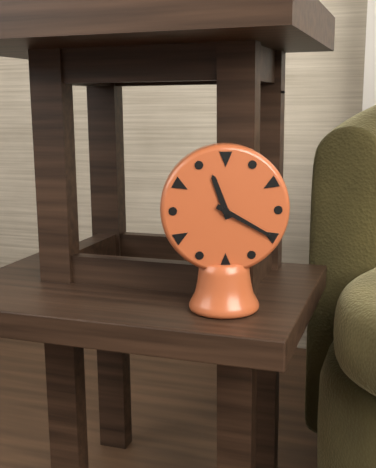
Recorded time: 11h20
